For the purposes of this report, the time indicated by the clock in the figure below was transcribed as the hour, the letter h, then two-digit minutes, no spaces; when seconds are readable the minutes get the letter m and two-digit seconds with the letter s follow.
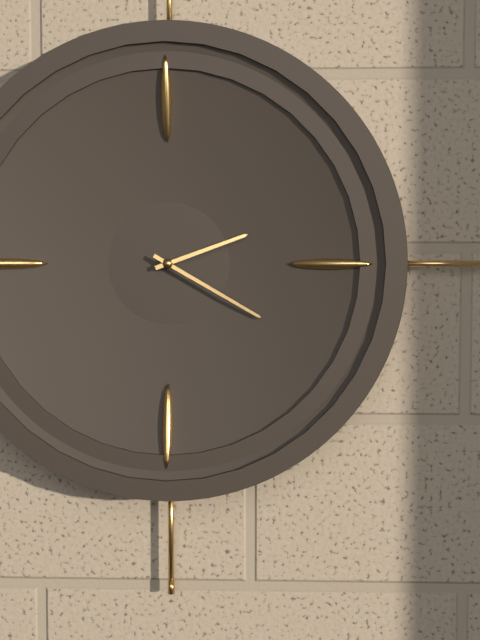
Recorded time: 2h20
